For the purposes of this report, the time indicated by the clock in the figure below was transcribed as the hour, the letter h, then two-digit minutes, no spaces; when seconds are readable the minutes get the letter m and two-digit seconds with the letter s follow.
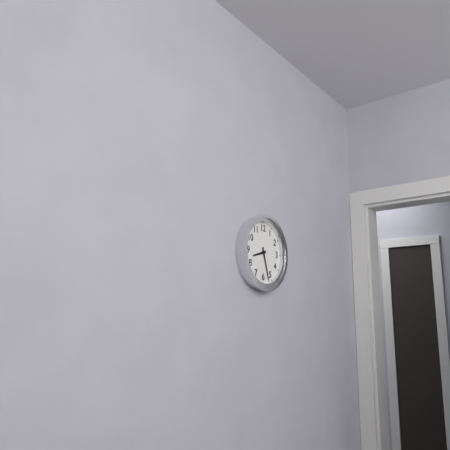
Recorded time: 8h27
